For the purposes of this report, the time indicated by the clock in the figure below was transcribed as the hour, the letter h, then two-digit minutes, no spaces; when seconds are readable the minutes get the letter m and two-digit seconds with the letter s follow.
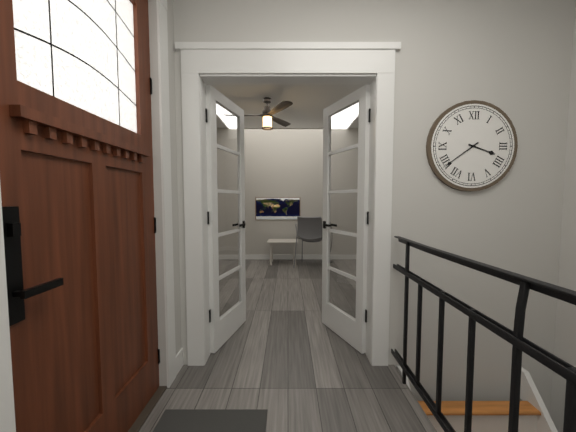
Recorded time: 3h39
